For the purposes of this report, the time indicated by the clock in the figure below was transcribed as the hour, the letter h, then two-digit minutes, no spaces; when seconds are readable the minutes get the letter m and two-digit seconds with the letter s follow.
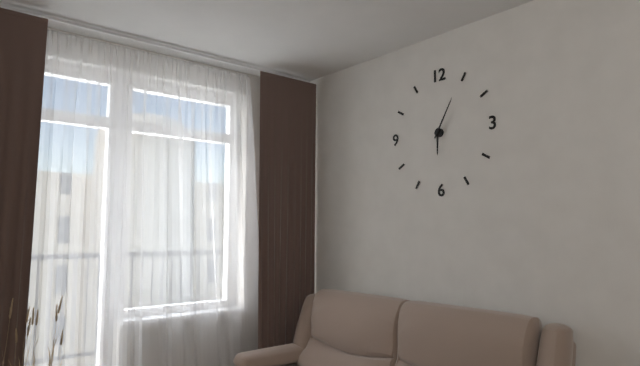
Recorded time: 6h05
